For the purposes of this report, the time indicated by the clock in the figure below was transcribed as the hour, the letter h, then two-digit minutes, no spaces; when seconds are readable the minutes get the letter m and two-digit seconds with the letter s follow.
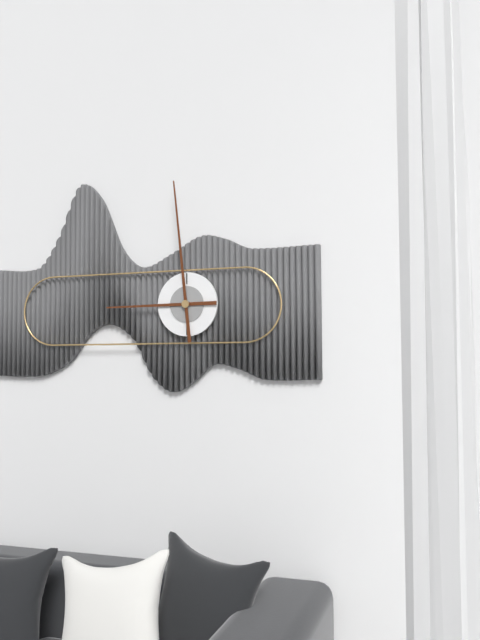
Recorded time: 8h59
